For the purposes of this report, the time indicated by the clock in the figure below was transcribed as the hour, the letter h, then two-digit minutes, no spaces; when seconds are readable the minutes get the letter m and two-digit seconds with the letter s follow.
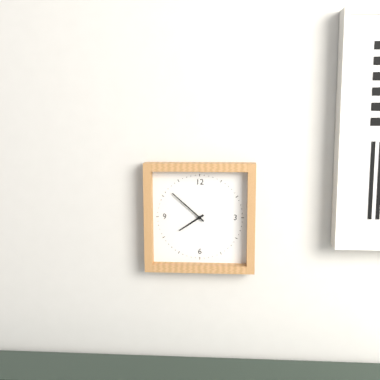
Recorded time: 7h52
